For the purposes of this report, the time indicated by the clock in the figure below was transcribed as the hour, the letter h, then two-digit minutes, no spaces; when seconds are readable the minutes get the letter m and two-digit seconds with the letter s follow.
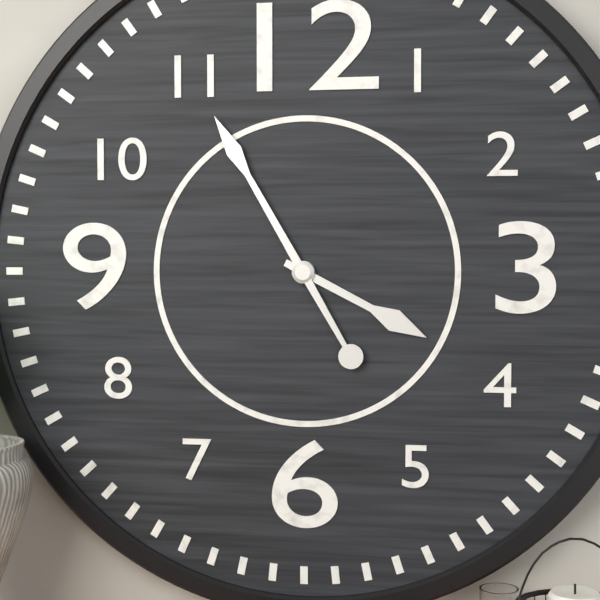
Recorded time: 3h55
